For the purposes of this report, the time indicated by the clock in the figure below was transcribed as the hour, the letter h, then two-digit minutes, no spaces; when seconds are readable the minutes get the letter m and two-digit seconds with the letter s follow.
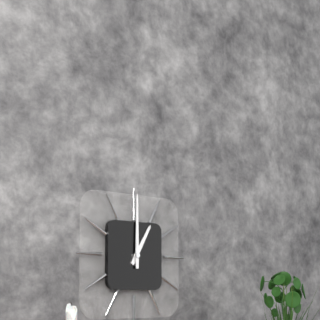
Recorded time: 1h00
